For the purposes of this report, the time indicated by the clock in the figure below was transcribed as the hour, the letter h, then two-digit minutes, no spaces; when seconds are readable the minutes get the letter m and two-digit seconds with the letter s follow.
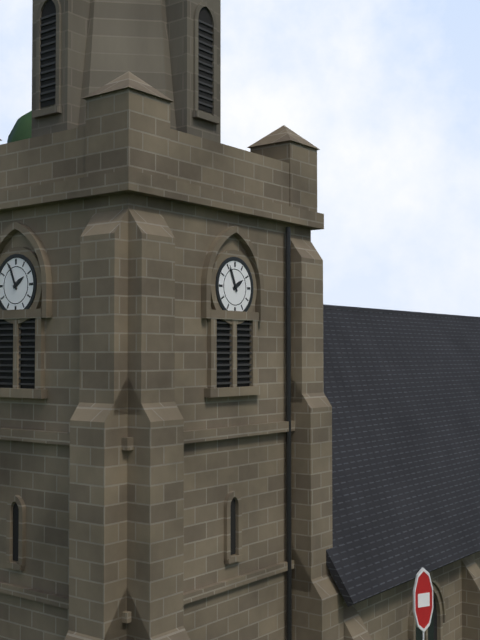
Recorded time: 1h56
